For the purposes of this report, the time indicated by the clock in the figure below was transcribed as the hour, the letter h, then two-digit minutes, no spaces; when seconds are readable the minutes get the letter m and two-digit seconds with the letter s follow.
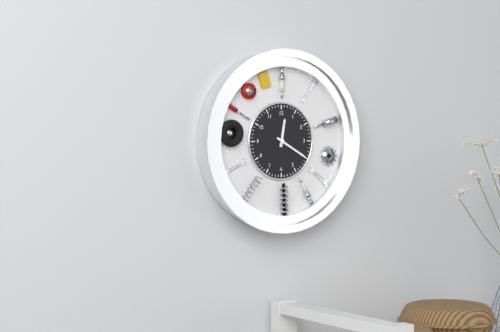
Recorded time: 12h20
